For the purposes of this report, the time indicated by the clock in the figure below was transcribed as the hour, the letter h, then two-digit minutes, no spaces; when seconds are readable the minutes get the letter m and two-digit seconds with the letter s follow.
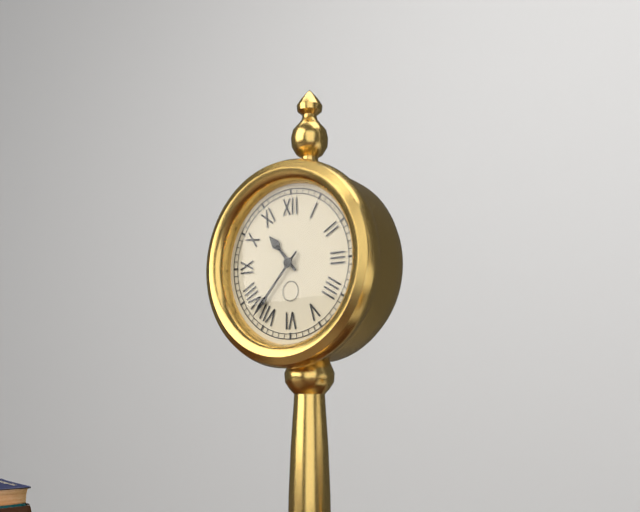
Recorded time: 10h37
